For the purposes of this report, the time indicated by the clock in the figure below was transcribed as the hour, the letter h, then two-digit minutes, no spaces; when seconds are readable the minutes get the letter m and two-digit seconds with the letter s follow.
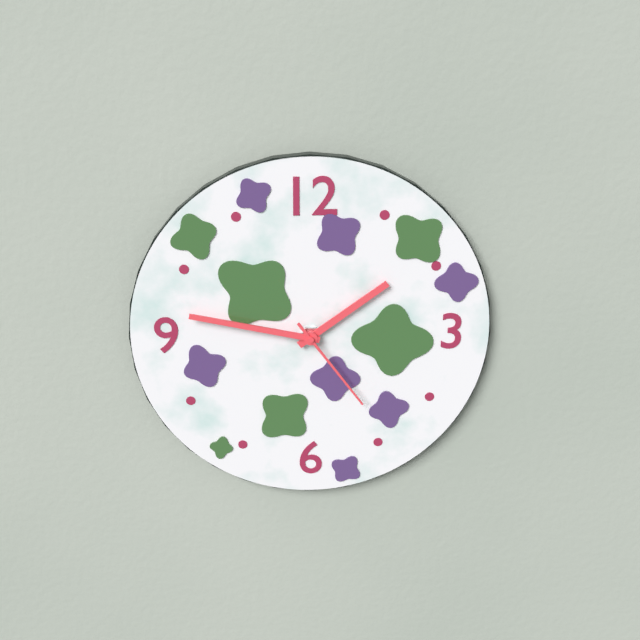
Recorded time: 1h47m24s
